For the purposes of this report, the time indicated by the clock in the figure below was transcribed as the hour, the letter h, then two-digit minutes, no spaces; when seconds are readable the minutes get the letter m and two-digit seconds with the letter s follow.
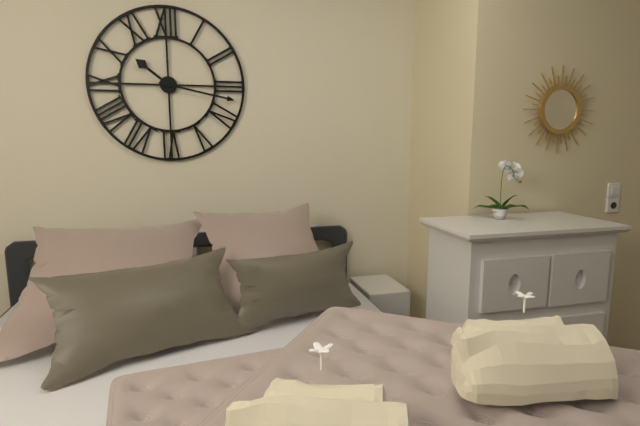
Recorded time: 10h17
